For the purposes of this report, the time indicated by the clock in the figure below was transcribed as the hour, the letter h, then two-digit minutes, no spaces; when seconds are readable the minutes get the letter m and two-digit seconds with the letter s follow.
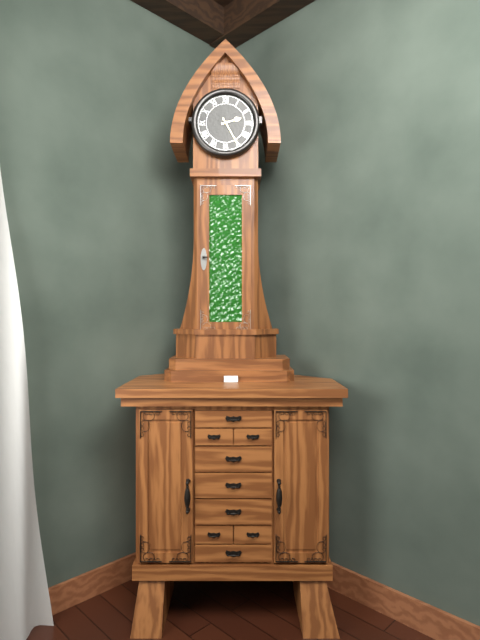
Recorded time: 2h25
